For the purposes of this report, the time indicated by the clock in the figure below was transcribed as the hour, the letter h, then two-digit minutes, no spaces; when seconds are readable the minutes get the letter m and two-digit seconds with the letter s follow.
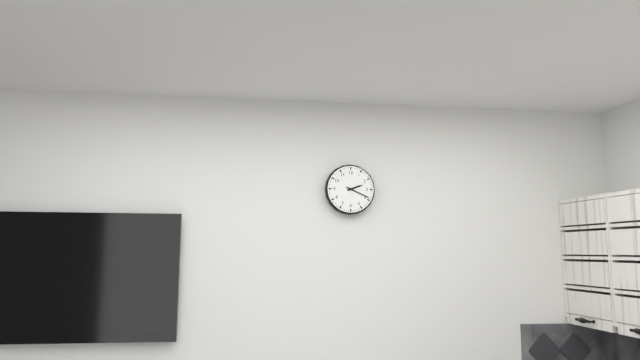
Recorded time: 2h19
